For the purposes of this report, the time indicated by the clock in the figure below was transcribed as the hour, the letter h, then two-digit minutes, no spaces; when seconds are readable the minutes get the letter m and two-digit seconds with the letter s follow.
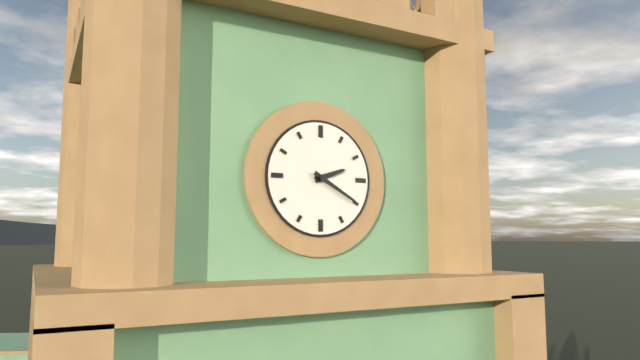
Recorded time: 2h20
